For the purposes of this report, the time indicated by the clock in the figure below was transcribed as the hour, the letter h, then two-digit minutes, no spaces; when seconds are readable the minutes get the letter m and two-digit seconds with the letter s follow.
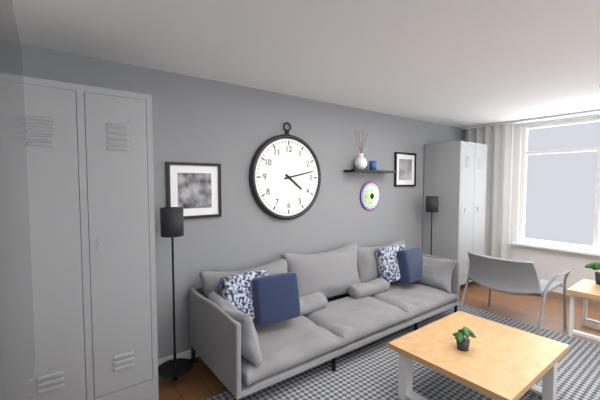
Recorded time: 4h13
